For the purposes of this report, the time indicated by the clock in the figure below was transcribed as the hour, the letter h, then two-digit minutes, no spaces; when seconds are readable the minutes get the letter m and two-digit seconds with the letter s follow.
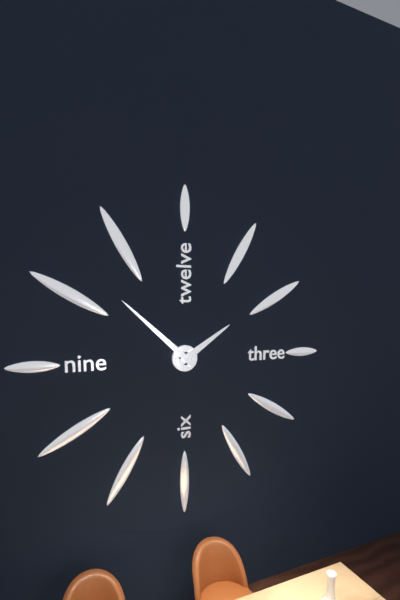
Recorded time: 1h52
